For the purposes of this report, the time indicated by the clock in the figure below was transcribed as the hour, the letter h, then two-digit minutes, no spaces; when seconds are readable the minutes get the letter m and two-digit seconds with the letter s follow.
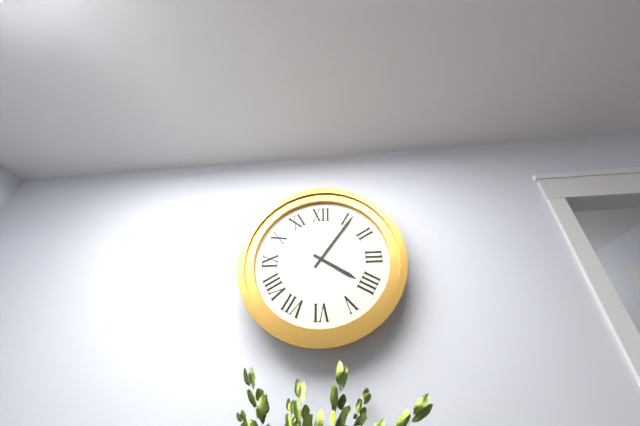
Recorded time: 4h06
